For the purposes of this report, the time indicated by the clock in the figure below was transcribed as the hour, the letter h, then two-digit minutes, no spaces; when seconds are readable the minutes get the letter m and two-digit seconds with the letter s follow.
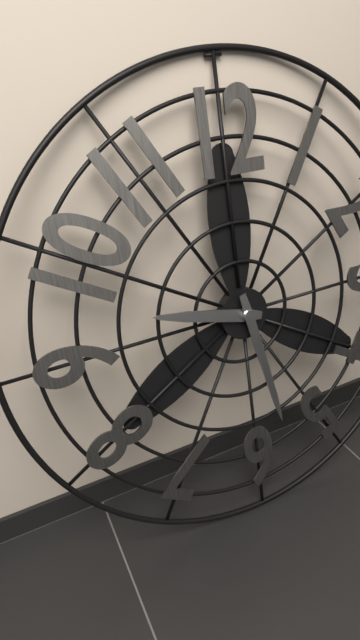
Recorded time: 9h28
